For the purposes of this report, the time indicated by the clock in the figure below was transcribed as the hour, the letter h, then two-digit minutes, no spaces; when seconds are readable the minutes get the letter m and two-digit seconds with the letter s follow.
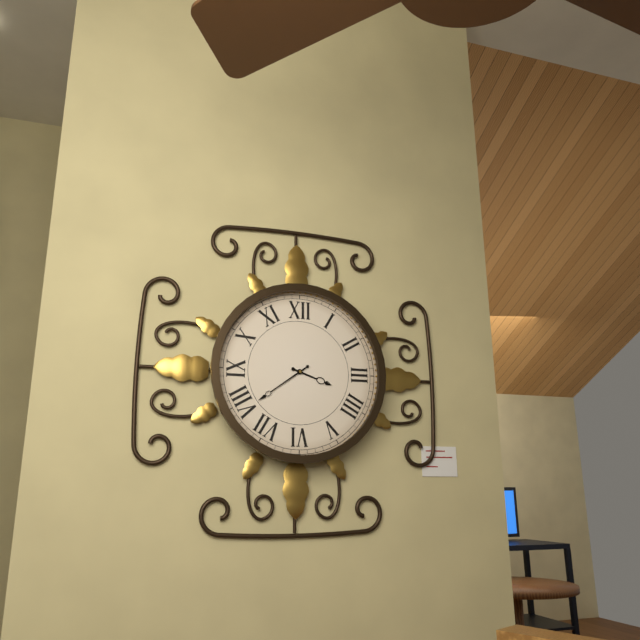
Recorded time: 3h39
